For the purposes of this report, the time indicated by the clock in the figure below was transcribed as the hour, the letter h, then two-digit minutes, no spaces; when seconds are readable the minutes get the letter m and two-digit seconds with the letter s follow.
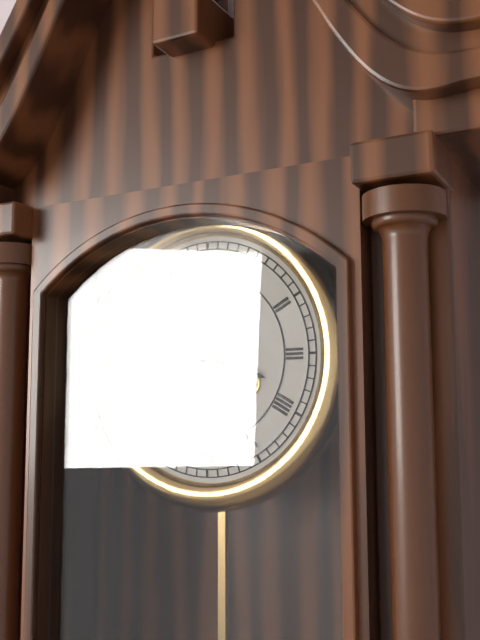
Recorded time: 3h37
